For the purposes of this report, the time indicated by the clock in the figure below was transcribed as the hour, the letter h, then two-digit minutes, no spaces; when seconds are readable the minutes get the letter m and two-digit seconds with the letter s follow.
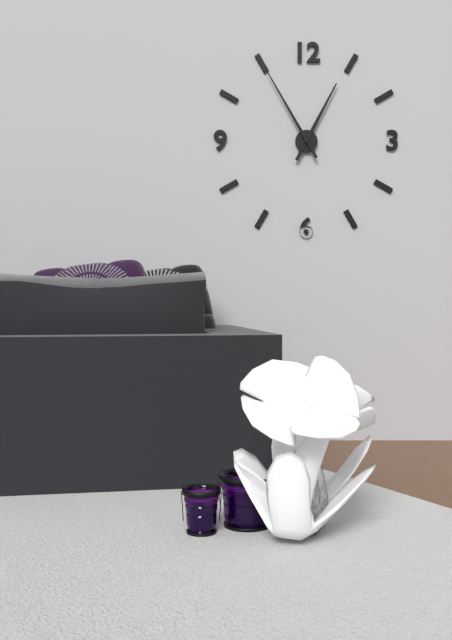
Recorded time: 12h55
